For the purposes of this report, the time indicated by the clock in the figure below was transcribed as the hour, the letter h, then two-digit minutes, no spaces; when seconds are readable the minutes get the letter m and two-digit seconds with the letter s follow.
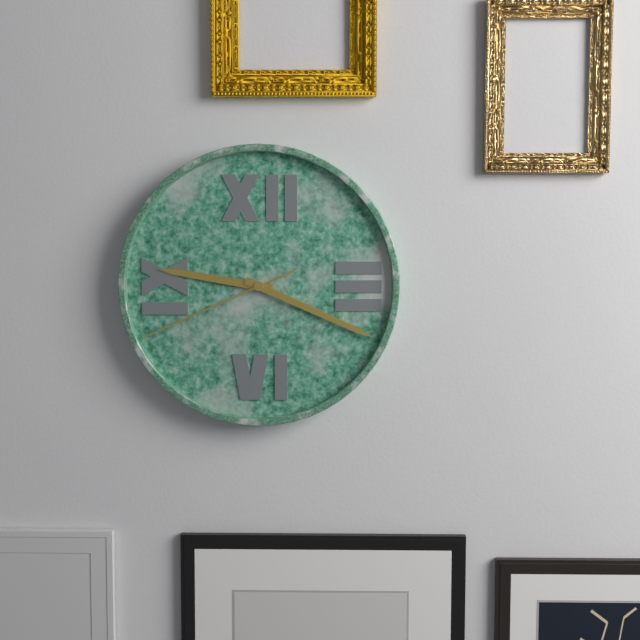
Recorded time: 9h19m41s
